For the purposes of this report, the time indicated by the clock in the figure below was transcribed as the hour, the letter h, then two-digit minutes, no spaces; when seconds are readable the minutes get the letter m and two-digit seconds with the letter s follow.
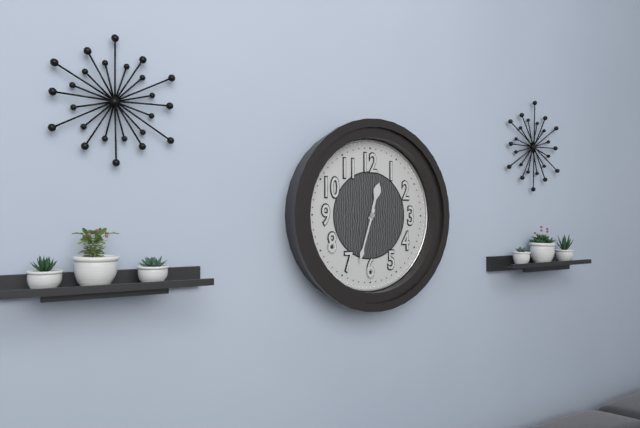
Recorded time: 12h33
